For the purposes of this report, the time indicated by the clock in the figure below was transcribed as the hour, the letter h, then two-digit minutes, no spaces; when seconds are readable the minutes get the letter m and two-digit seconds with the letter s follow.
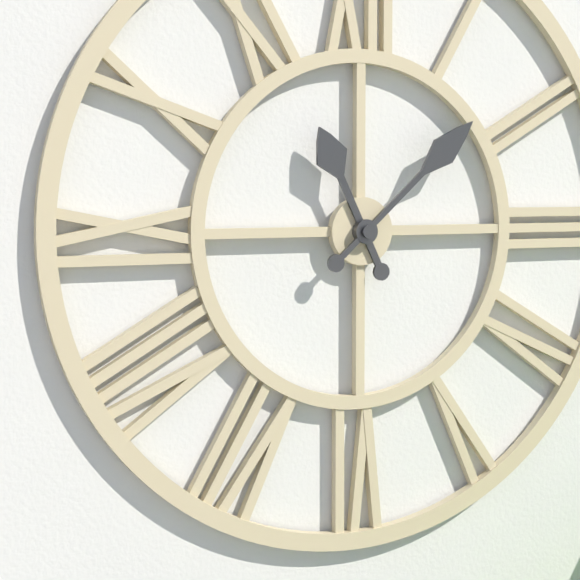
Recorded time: 11h08
